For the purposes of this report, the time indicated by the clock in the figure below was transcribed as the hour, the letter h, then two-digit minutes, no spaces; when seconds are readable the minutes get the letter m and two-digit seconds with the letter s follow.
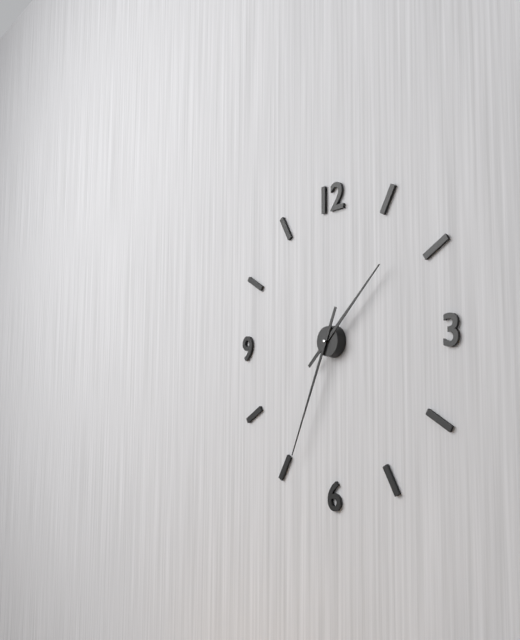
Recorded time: 1h34
